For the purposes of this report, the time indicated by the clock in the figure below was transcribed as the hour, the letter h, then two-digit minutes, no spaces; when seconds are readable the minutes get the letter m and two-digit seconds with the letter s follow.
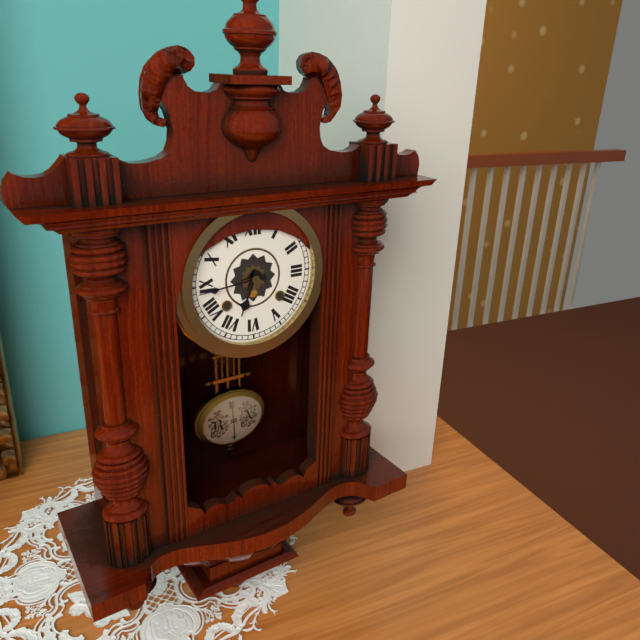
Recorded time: 6h44
